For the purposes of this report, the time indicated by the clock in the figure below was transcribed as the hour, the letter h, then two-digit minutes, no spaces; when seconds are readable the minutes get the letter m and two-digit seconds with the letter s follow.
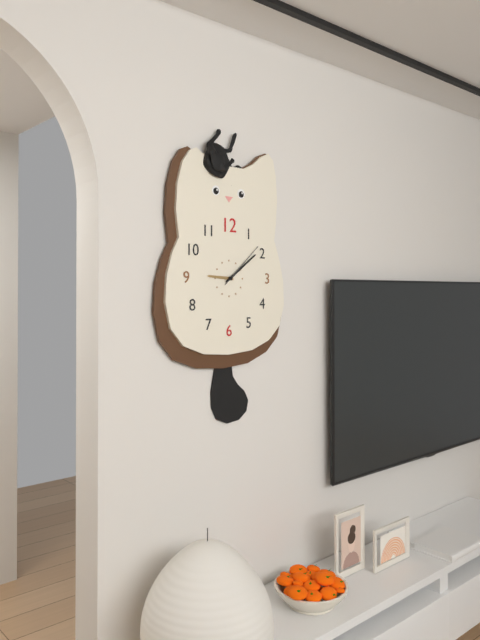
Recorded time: 9h09m08s
